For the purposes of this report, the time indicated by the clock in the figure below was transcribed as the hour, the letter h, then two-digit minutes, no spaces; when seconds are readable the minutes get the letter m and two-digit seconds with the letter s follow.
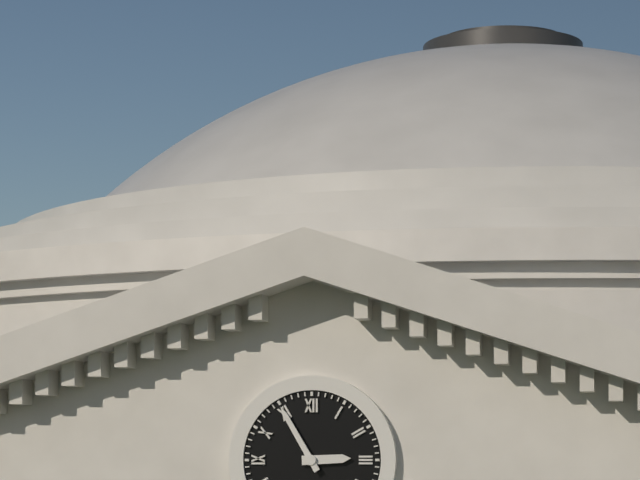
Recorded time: 2h55
